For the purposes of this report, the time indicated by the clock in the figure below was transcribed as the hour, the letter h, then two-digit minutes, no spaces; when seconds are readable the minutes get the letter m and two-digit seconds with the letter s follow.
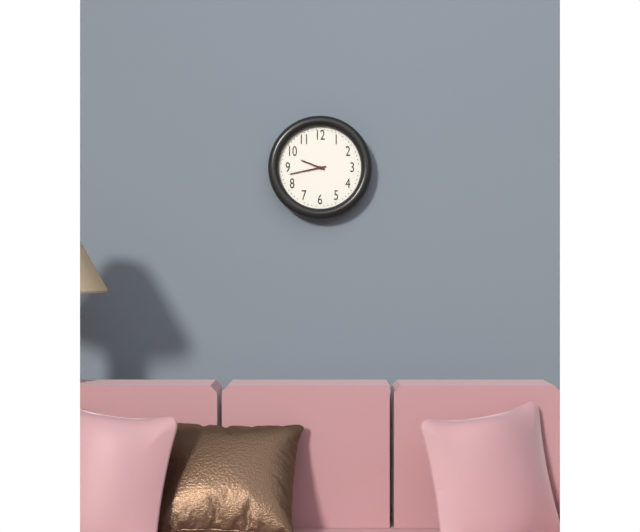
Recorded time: 9h43
